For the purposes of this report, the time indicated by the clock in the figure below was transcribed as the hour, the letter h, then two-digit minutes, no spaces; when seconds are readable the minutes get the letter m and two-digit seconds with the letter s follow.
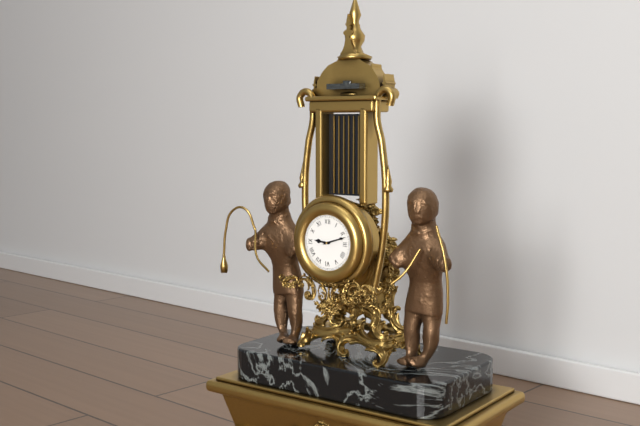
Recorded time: 9h12
